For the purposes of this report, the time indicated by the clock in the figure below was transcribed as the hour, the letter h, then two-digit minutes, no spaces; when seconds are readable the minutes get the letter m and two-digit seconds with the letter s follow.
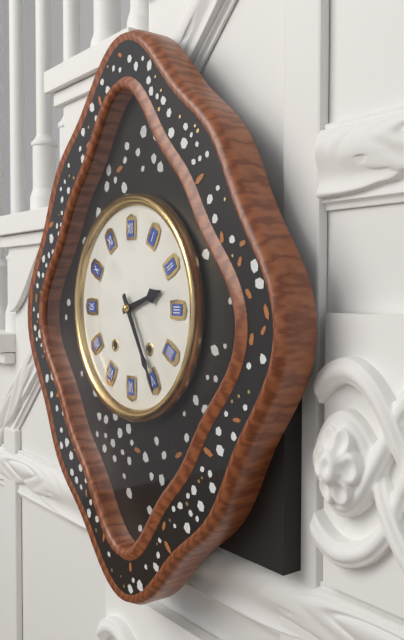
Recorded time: 2h25
